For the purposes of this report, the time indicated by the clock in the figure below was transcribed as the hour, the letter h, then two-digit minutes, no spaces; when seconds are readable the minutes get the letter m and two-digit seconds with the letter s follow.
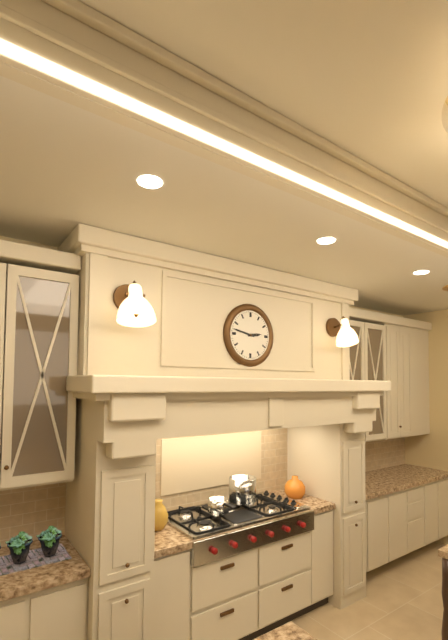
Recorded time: 2h47
